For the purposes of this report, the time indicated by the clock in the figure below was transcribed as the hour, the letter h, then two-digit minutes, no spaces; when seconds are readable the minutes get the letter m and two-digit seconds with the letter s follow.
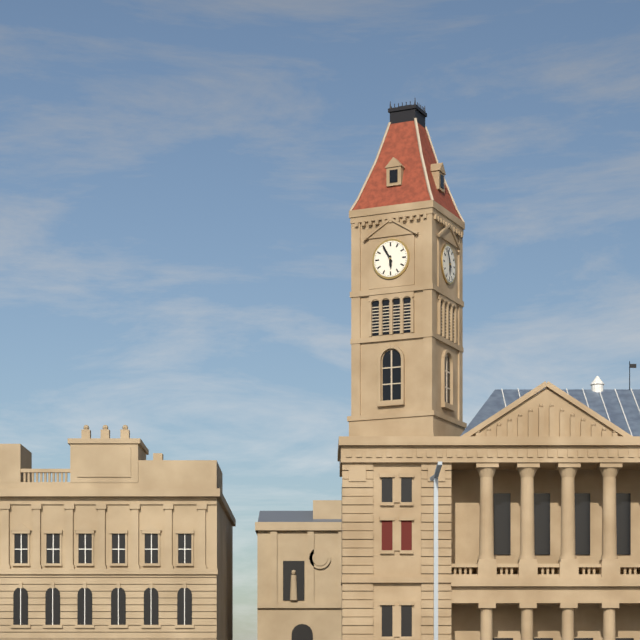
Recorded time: 5h55
